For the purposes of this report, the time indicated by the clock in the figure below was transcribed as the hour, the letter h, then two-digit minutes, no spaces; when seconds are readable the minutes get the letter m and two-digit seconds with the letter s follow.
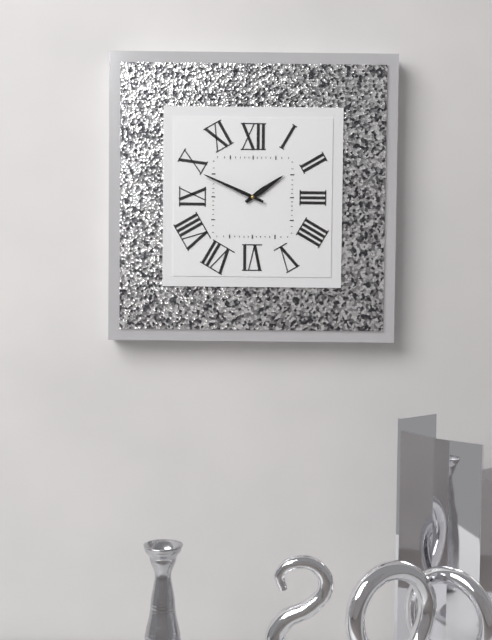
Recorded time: 1h49
